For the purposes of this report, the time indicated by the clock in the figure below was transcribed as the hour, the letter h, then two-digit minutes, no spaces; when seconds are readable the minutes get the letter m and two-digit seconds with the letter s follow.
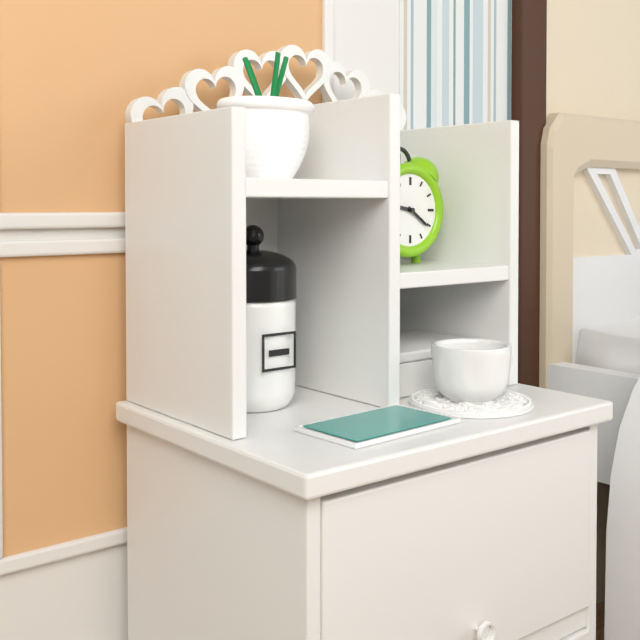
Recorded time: 9h21
